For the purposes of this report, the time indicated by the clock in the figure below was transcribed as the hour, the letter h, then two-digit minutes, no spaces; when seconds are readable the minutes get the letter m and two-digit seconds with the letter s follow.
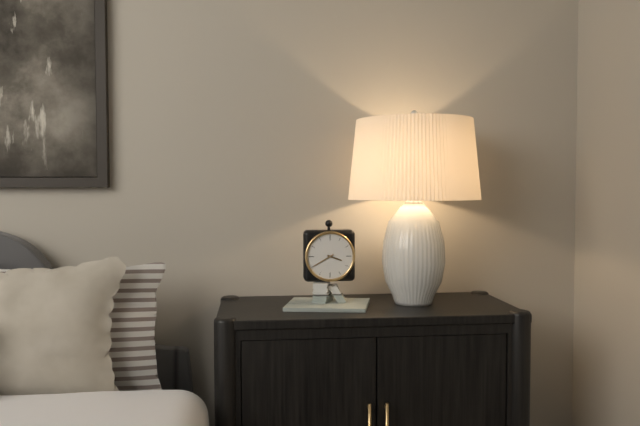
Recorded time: 3h40
